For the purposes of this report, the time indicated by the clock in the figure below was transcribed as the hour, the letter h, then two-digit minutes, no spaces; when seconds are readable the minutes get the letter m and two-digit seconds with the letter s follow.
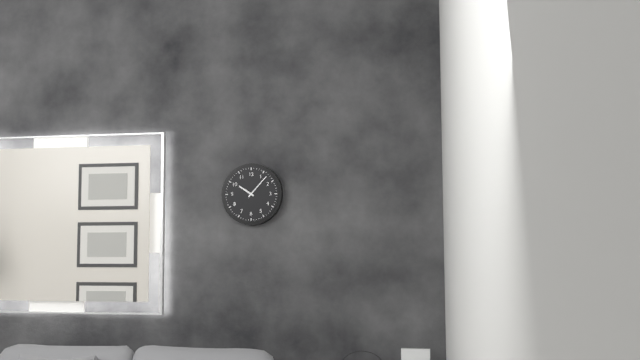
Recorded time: 10h07
